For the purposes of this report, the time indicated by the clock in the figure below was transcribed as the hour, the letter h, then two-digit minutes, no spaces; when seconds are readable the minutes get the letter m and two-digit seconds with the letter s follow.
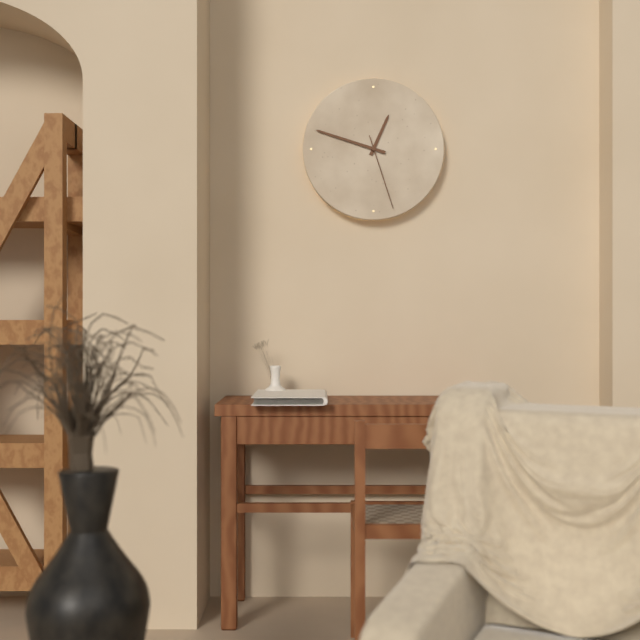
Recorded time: 12h48m27s
